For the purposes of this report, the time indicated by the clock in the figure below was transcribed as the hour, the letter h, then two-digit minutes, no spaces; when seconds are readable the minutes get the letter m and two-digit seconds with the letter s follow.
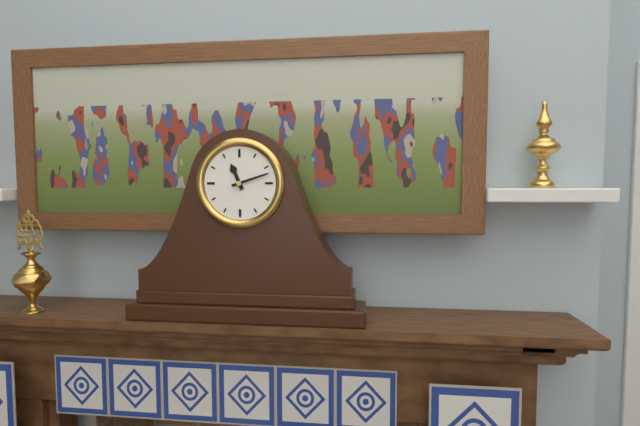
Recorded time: 11h12
